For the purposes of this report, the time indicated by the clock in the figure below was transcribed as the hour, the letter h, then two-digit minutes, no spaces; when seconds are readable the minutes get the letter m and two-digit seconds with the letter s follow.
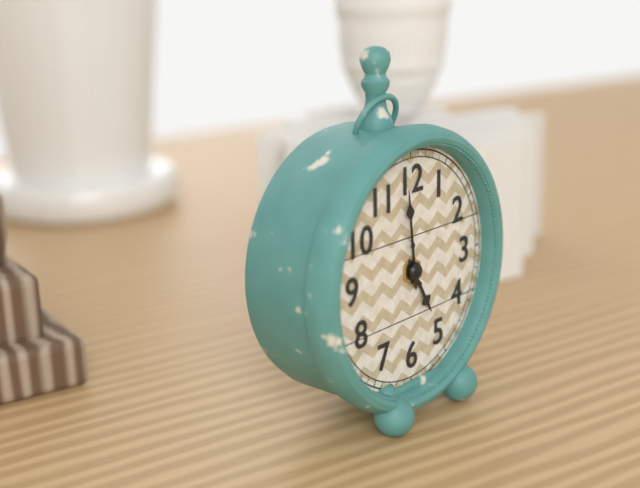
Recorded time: 4h59
